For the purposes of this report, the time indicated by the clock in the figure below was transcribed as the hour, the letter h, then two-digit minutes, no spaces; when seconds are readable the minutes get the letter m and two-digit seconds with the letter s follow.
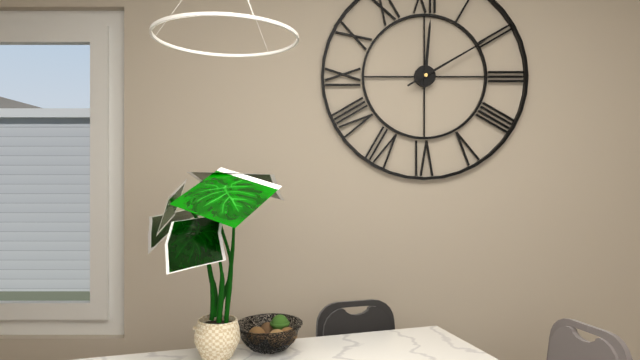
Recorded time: 12h10
